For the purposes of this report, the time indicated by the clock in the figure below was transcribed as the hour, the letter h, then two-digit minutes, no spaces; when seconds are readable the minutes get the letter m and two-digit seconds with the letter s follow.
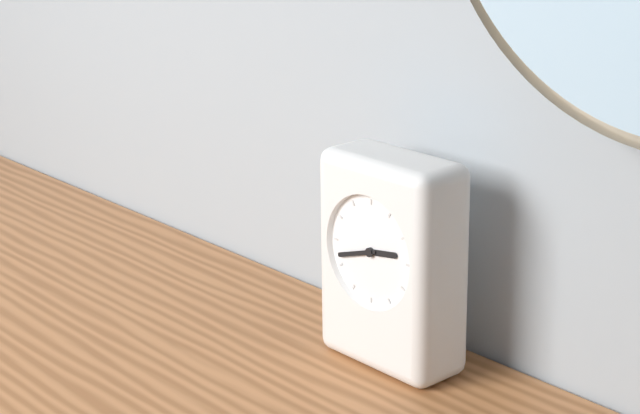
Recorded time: 2h42
